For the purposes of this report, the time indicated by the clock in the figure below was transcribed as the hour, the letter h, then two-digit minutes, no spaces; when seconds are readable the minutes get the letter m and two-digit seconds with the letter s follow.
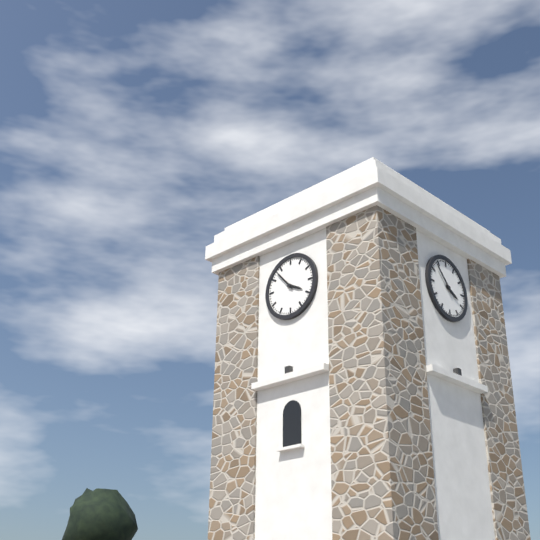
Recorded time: 3h53
